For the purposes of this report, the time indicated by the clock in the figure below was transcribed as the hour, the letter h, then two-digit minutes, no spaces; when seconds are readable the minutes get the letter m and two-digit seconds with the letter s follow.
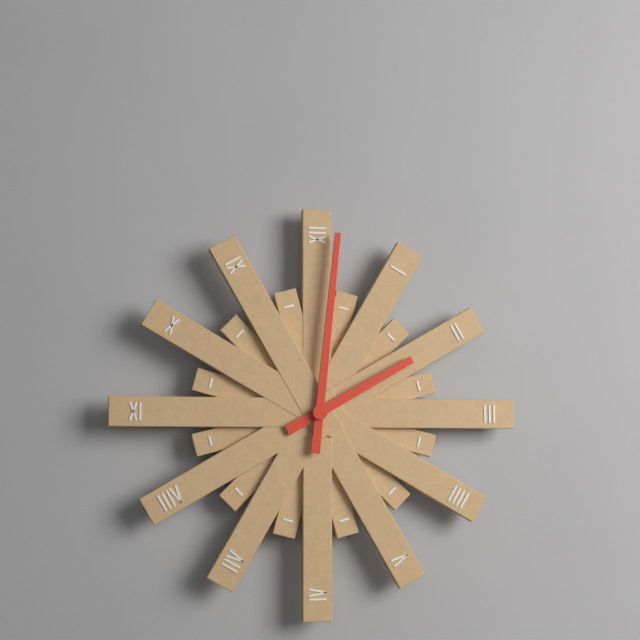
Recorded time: 2h01
